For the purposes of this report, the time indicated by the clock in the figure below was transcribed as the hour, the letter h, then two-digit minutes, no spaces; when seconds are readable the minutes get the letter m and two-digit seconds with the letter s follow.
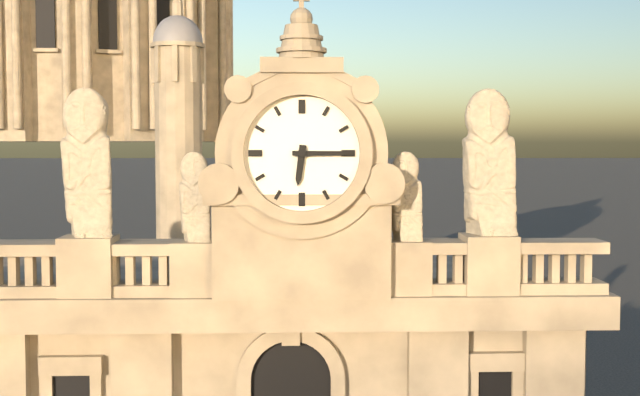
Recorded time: 6h15
